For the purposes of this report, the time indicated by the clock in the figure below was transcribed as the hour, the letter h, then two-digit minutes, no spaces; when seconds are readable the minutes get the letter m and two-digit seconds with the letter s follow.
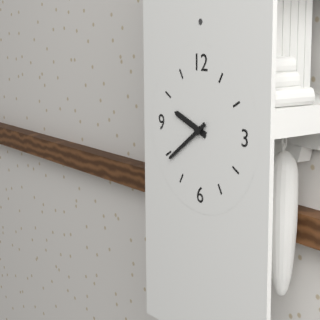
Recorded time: 9h39
